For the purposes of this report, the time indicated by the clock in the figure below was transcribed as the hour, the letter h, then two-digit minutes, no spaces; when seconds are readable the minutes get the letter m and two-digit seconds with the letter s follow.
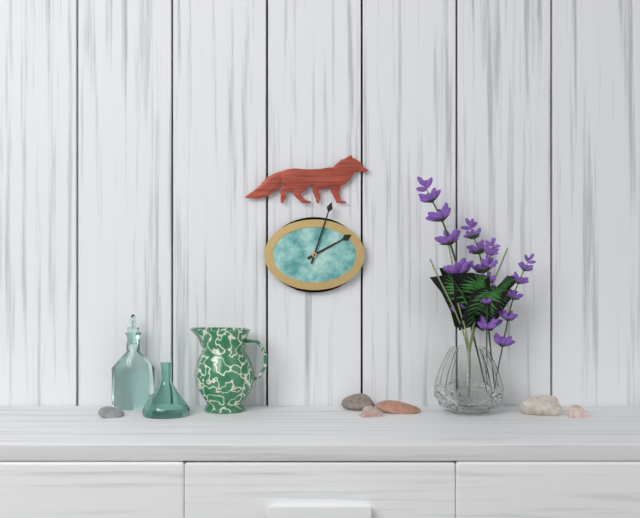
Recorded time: 2h03
